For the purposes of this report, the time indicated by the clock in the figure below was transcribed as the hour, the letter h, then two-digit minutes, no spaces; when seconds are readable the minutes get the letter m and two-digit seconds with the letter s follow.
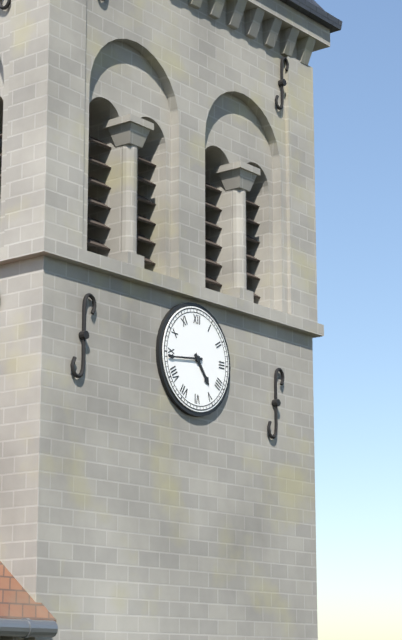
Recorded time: 4h44
